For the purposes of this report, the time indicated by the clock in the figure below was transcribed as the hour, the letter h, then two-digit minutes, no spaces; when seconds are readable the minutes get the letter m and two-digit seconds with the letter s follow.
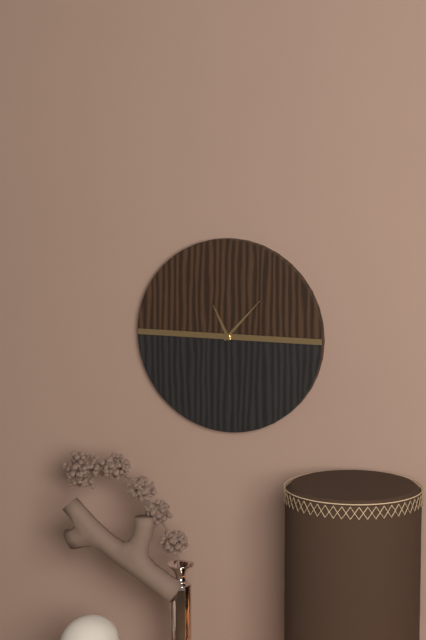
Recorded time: 11h07
